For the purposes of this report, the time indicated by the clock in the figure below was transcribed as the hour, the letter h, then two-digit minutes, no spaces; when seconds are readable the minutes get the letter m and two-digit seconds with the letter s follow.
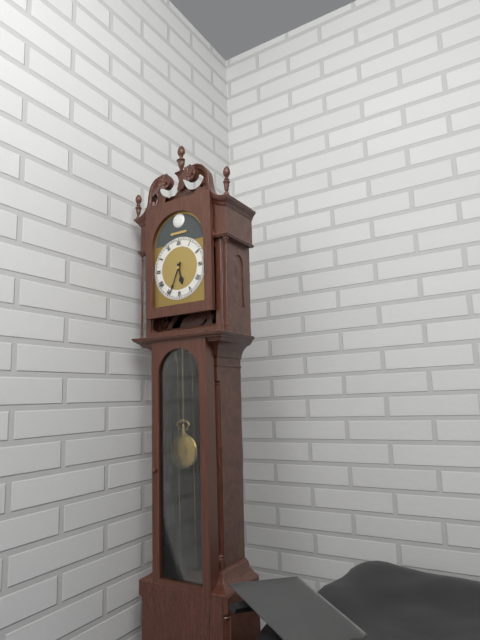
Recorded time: 5h34
